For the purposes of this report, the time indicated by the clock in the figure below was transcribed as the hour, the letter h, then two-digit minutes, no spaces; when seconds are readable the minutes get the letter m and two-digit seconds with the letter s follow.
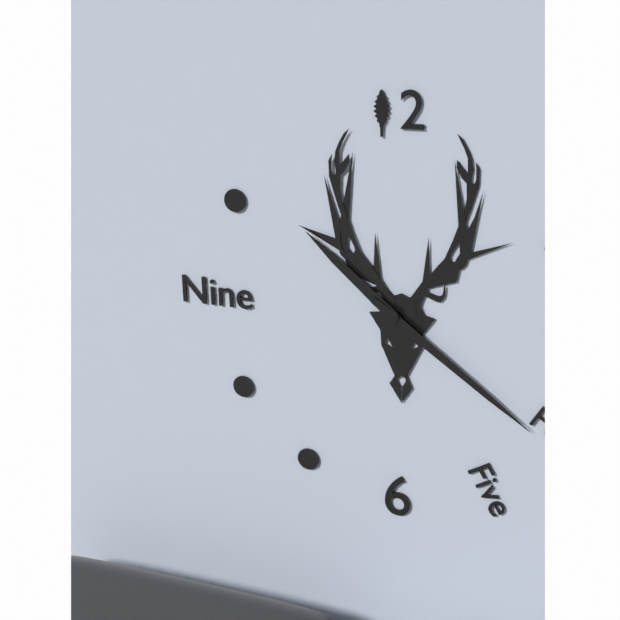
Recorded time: 10h21
